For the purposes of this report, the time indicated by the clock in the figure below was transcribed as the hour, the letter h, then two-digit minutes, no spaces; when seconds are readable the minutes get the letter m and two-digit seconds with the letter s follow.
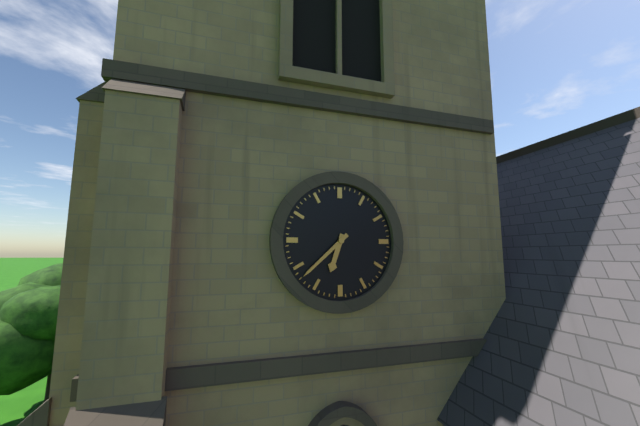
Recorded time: 6h38
